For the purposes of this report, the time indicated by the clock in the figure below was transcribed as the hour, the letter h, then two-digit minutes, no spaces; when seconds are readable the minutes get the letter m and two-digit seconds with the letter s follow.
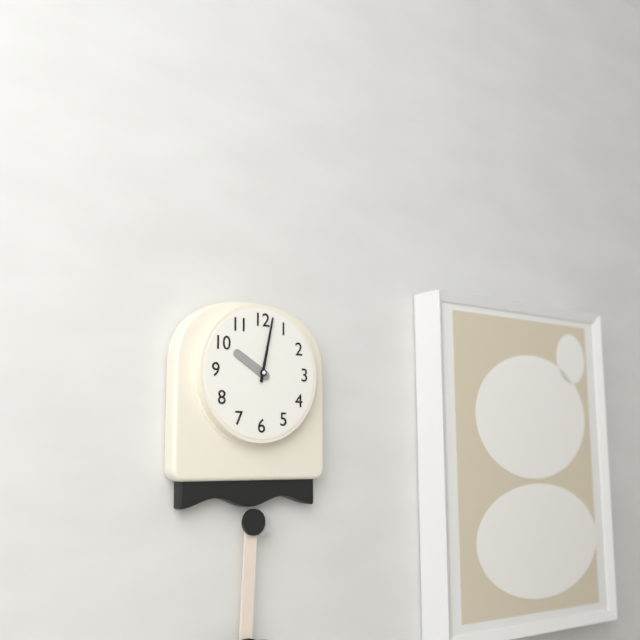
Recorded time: 10h02
